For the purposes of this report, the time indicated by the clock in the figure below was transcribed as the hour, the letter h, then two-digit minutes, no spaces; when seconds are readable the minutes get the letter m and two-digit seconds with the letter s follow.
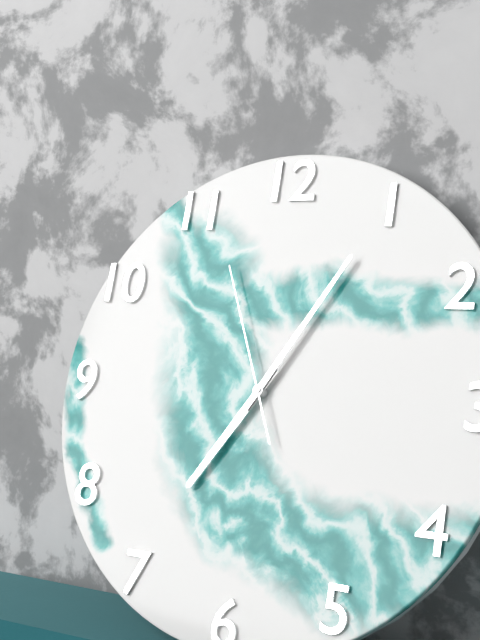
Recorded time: 7h05m56s
